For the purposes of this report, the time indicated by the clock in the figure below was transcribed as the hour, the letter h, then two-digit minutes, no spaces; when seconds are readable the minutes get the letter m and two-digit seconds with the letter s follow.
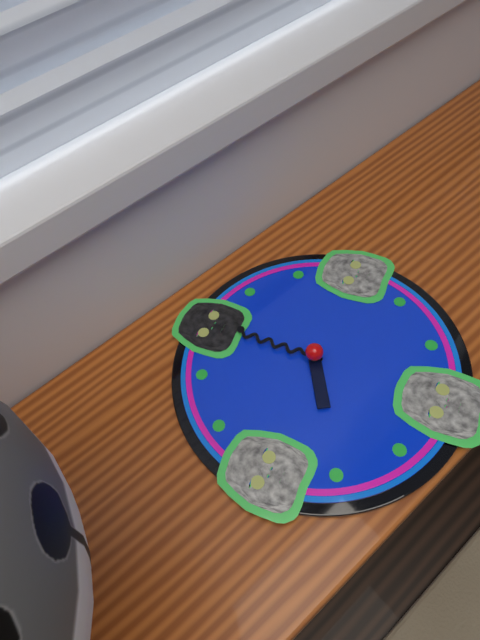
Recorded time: 8h00
